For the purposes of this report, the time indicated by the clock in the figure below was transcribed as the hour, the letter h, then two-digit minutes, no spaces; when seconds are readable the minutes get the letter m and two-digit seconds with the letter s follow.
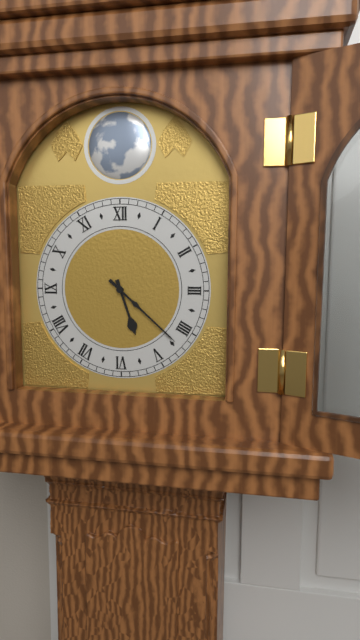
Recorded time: 5h22
